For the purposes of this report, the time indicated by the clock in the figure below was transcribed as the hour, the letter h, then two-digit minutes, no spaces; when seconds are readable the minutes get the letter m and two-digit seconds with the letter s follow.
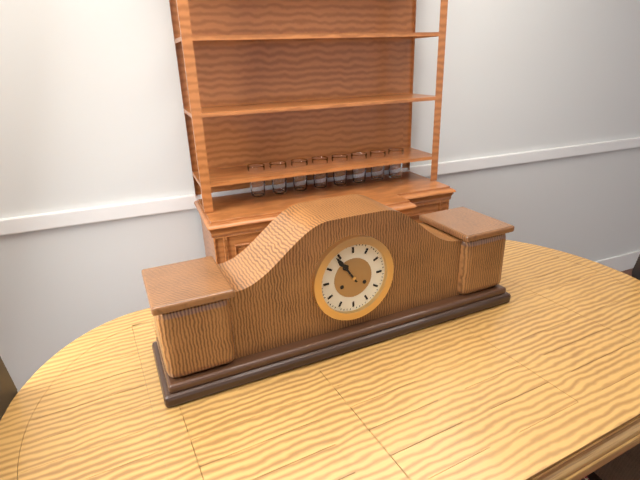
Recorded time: 10h54
